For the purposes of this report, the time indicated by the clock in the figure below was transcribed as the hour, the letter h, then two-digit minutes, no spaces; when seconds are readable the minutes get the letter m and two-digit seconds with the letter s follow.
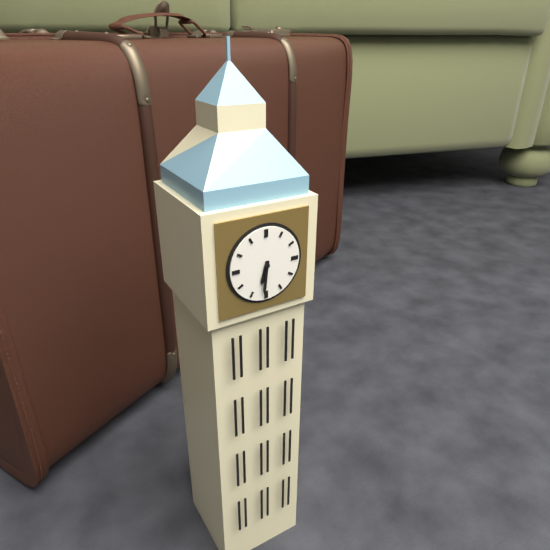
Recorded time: 6h31
